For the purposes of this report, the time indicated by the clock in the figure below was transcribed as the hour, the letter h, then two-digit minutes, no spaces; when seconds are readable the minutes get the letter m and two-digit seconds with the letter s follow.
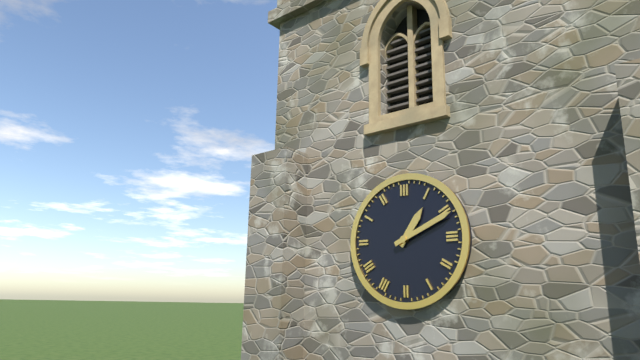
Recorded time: 1h11
